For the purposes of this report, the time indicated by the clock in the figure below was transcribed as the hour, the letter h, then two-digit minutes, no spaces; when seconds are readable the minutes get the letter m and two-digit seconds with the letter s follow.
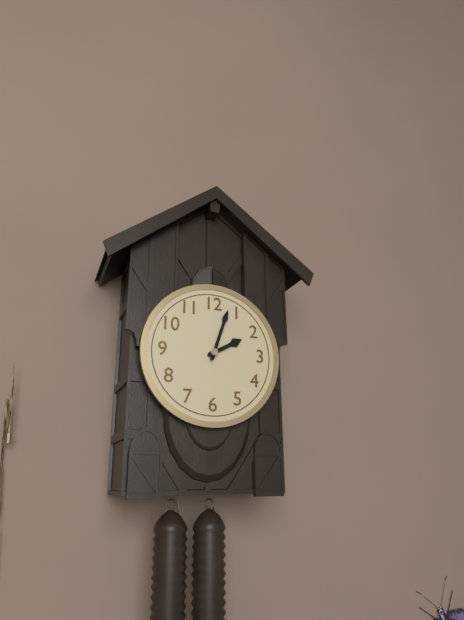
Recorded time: 2h03
